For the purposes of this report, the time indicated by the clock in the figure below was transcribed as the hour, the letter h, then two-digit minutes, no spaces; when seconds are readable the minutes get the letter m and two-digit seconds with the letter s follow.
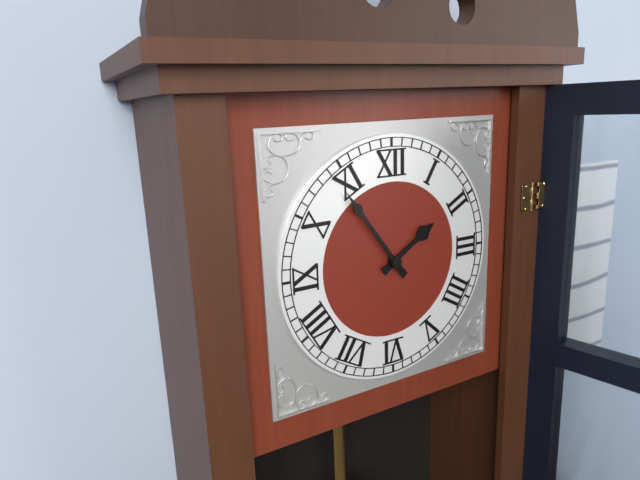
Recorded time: 1h54
